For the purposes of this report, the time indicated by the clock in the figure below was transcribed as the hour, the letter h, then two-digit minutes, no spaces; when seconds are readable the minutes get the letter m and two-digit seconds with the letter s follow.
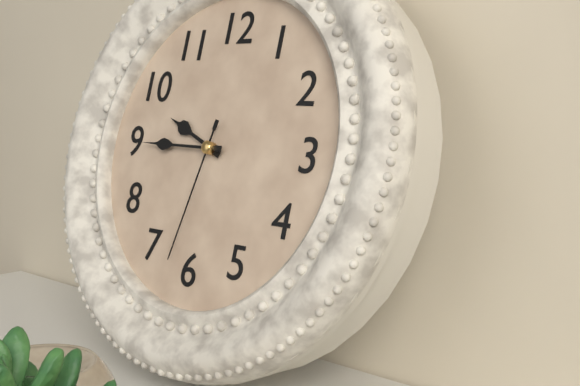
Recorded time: 9h45m32s
